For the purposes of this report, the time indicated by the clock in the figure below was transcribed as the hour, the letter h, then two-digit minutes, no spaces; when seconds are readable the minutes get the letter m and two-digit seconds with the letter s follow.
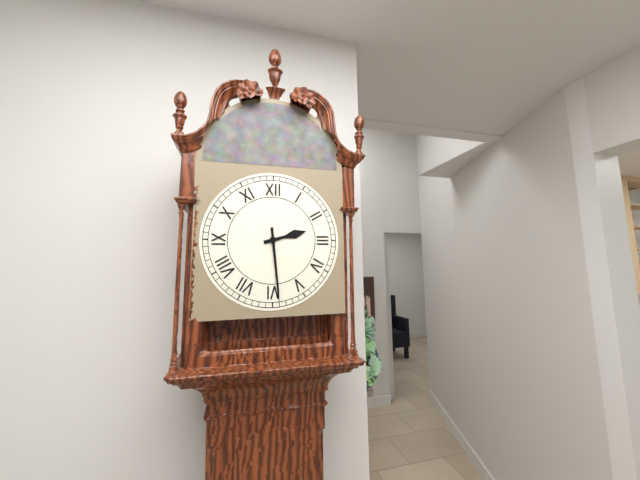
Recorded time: 2h29
